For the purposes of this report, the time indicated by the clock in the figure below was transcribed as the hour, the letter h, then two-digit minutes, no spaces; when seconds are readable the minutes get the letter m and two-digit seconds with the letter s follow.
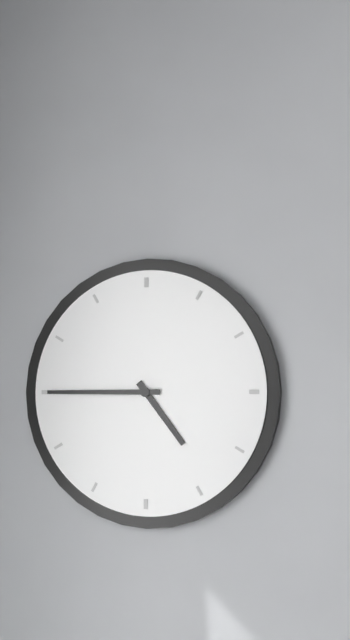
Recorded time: 4h45
